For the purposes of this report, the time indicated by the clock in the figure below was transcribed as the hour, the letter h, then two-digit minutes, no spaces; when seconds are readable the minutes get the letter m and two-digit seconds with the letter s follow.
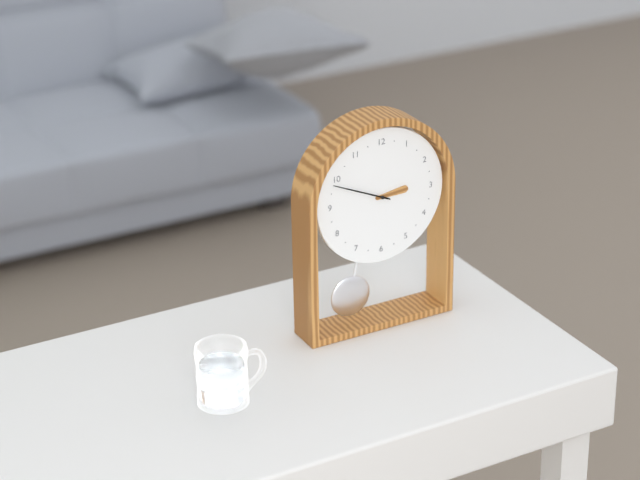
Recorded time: 2h49
